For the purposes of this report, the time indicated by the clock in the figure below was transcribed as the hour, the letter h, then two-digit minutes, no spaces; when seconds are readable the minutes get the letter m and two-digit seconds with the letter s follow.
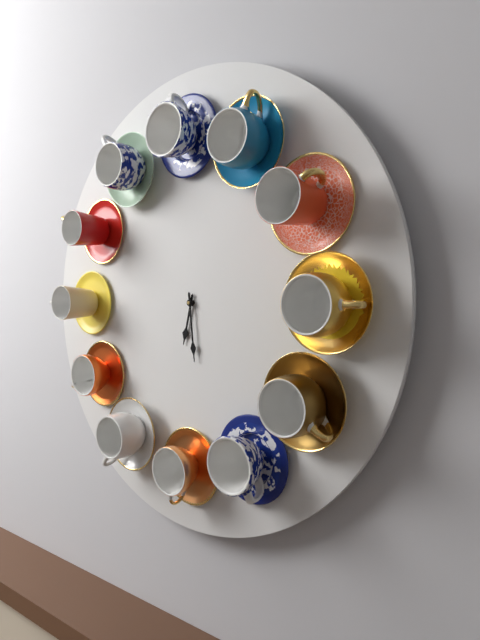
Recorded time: 6h29
